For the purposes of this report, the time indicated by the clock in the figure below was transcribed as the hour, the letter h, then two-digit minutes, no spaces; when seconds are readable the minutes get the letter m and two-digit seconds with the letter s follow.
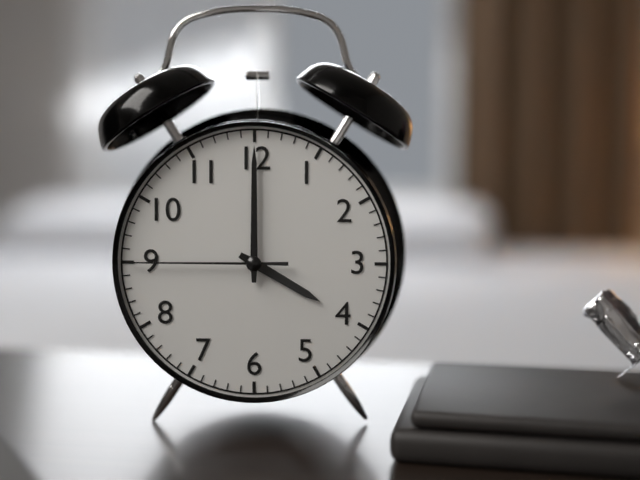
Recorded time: 4h00m45s
